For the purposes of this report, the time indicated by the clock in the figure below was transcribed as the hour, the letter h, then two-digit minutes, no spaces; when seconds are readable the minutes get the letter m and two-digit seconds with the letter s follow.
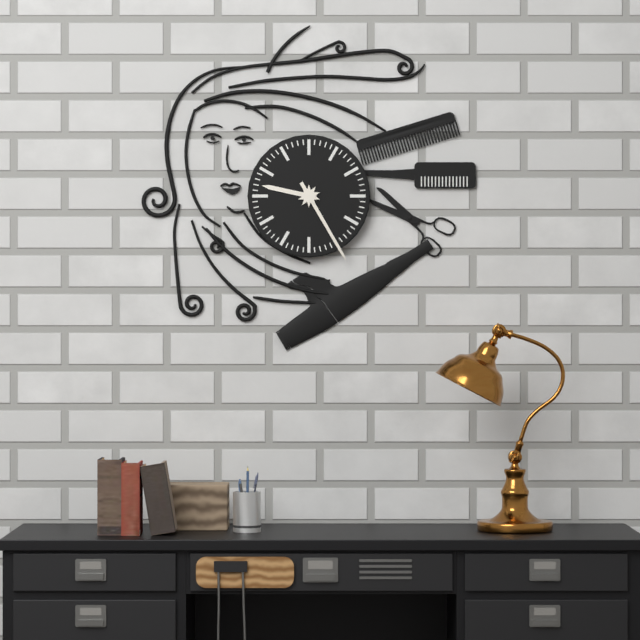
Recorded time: 9h25
